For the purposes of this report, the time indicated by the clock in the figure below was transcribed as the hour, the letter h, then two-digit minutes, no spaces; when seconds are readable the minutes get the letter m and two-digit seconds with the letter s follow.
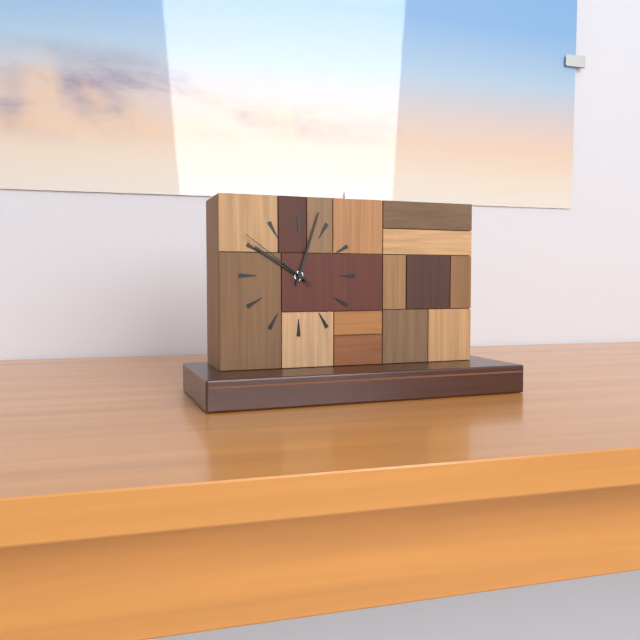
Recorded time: 10h03m51s
